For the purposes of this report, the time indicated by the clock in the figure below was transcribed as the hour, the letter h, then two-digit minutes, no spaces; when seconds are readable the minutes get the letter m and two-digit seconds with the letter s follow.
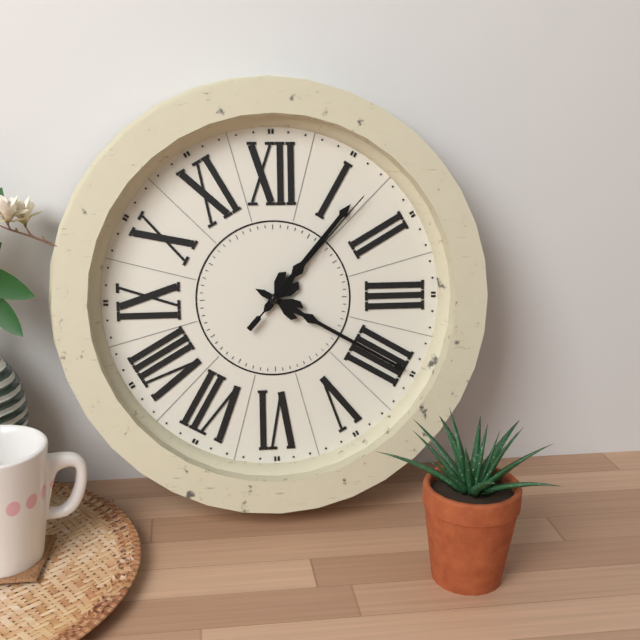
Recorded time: 1h20m07s
